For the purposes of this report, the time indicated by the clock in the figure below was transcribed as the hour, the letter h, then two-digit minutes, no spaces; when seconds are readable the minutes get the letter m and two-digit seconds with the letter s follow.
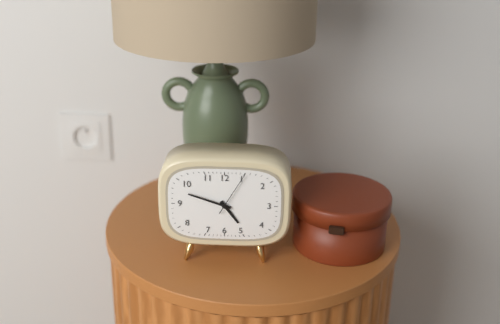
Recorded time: 4h48
